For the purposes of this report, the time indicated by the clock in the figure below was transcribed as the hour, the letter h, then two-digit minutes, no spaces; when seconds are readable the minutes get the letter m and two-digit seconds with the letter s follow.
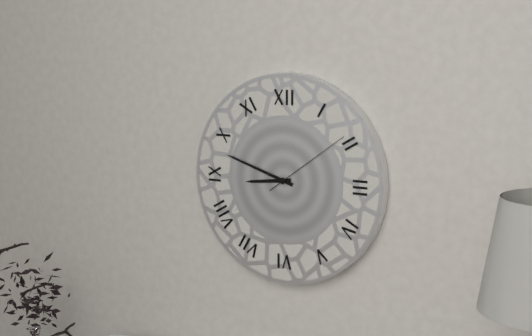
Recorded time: 8h48m09s
